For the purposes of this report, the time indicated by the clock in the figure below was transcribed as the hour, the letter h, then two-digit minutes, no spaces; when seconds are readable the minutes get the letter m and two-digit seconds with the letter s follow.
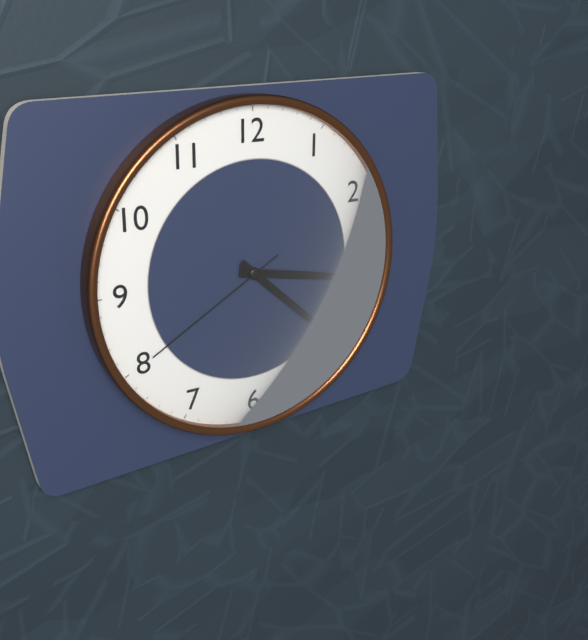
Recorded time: 3h22m40s
